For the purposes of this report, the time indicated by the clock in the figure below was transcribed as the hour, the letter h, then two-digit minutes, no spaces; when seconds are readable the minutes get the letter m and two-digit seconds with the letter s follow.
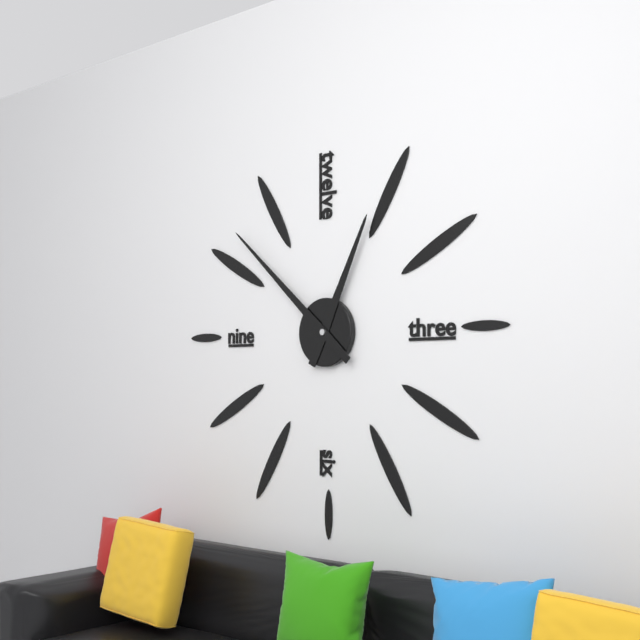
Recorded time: 12h52
